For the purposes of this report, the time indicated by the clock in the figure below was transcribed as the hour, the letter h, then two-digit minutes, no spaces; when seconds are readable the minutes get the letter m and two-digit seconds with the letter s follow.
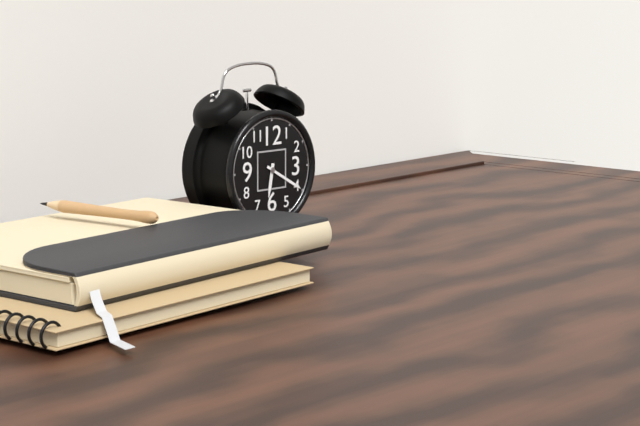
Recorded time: 6h20
